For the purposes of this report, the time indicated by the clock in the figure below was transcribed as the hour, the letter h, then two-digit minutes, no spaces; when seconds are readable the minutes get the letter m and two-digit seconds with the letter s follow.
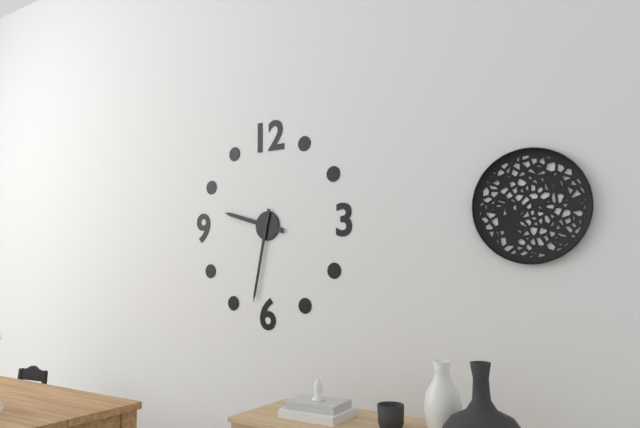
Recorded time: 9h32
